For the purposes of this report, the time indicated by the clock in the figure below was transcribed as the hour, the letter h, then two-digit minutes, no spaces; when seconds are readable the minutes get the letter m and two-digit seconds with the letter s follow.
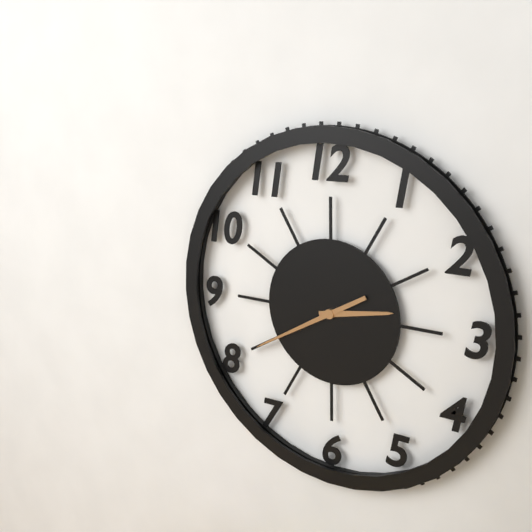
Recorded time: 2h40
